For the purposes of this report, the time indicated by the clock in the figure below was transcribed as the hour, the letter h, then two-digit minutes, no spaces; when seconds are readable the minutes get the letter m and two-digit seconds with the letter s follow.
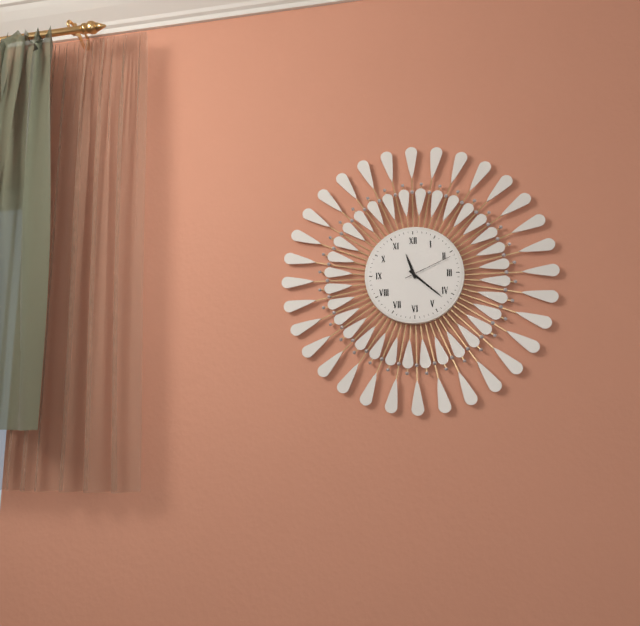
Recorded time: 11h22m11s
